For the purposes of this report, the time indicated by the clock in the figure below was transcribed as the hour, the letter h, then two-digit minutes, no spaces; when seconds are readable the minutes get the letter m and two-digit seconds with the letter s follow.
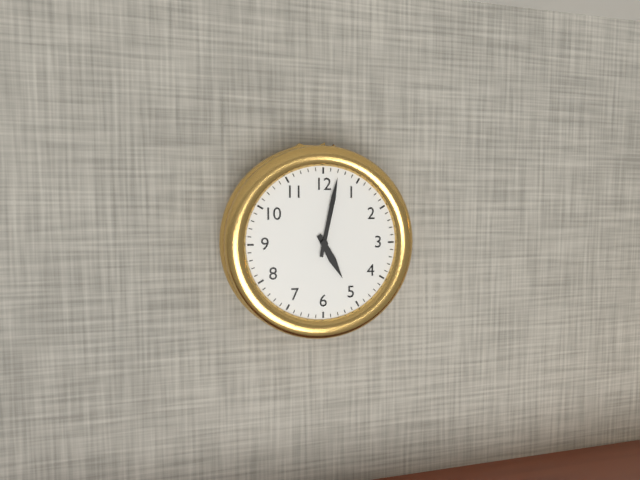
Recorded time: 5h02
